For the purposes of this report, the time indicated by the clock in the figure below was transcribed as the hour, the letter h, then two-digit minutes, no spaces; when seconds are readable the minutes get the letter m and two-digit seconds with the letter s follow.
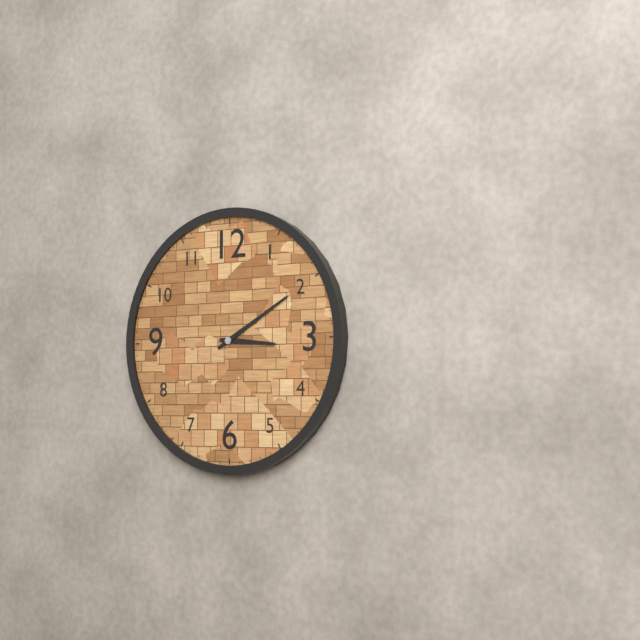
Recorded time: 3h10
